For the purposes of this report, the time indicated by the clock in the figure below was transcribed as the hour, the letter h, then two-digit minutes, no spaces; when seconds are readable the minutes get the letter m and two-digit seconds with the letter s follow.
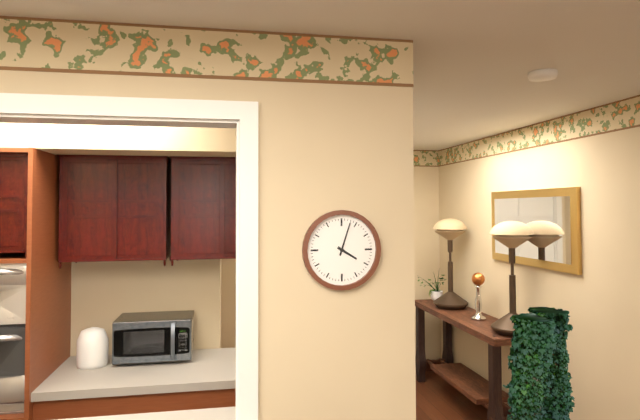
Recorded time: 4h03
